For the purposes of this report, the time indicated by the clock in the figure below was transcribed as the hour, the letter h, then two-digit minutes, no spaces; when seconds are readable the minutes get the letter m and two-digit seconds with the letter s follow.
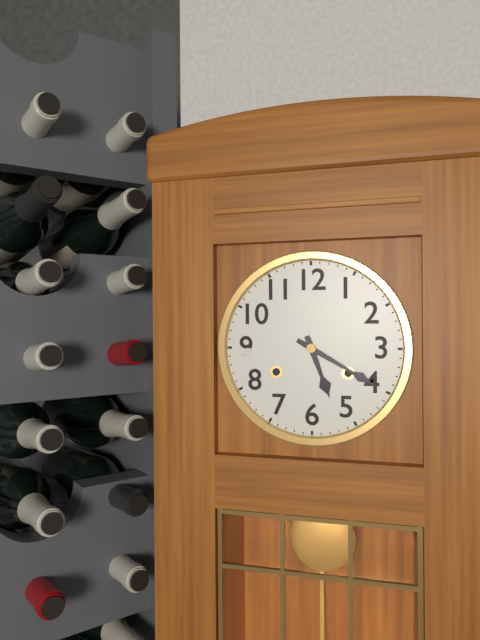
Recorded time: 5h20
